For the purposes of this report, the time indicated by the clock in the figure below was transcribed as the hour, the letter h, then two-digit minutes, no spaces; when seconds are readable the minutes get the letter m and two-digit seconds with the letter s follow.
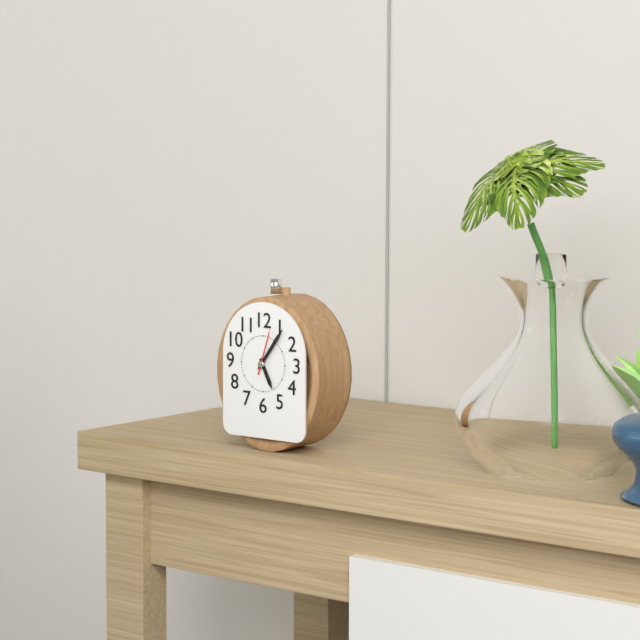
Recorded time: 5h06
